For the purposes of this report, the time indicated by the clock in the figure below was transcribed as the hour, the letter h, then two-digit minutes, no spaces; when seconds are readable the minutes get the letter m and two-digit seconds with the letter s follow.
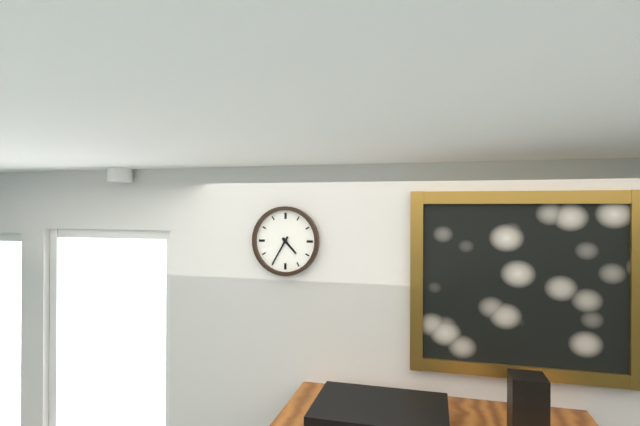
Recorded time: 4h35
